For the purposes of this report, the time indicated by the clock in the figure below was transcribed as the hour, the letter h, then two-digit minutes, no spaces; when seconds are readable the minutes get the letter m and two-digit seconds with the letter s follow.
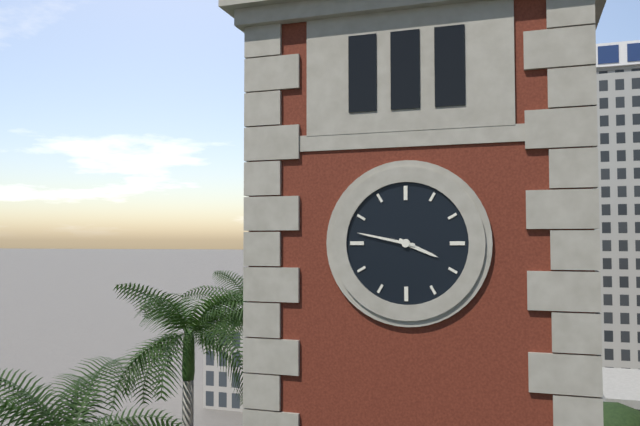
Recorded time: 3h47
